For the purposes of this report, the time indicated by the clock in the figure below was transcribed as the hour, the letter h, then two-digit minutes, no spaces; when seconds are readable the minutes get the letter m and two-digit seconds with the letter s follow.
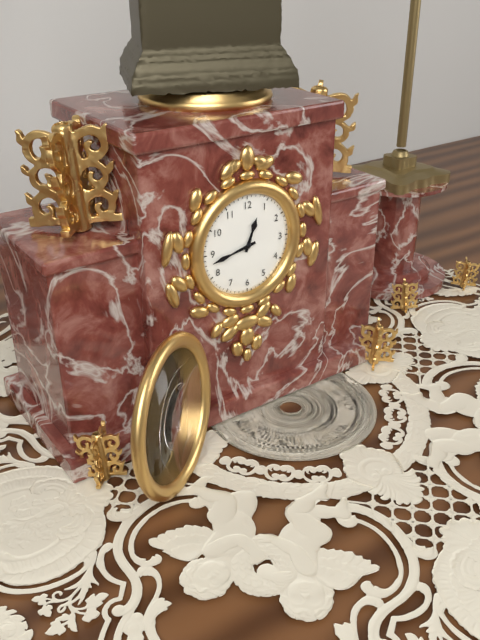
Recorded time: 12h43
